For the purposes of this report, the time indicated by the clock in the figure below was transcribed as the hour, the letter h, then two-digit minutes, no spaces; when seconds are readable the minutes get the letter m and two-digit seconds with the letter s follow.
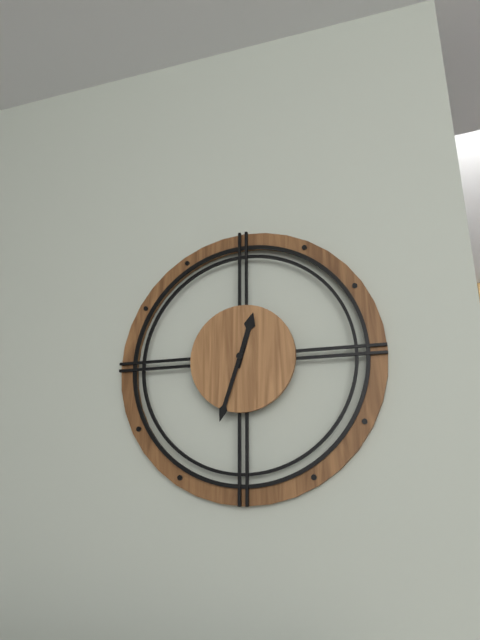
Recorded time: 12h33
